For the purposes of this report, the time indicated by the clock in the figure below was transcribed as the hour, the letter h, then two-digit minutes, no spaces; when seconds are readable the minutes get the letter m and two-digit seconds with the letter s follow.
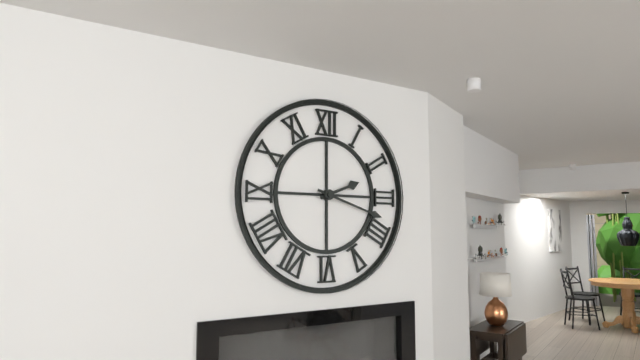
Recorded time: 2h18
